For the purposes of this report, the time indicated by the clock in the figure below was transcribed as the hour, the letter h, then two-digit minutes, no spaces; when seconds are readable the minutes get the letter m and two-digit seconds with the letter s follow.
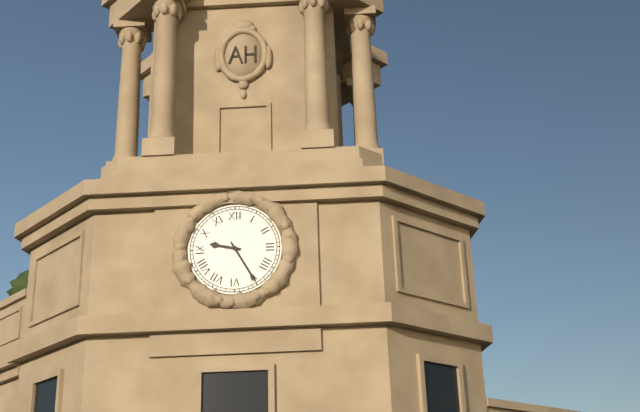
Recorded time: 9h25
